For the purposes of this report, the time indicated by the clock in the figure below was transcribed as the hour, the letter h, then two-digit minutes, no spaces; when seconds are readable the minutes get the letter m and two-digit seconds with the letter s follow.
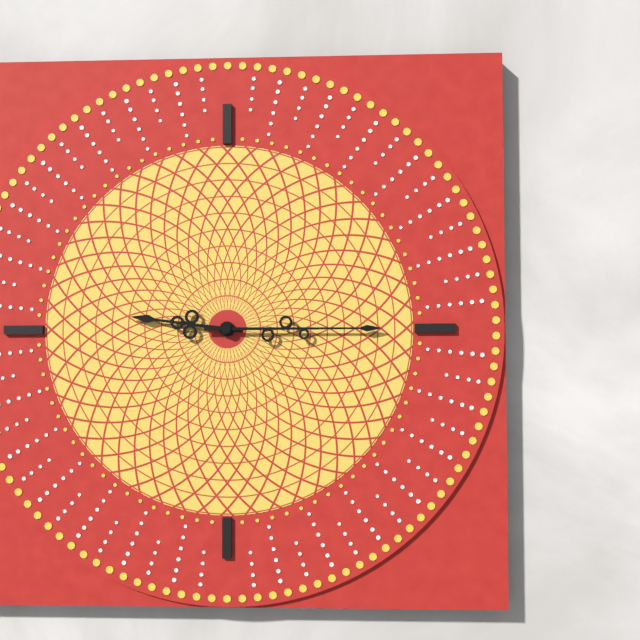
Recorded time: 9h15
